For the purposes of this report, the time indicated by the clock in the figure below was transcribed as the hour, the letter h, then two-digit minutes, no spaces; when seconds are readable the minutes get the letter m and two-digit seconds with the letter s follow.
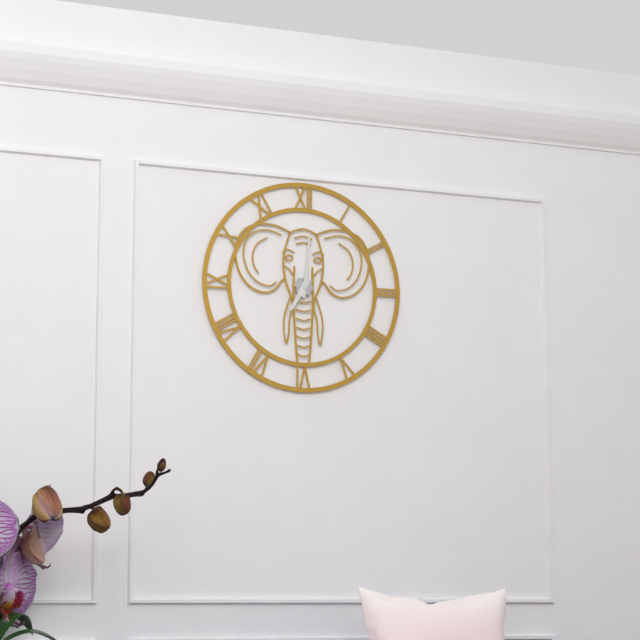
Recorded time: 7h01
